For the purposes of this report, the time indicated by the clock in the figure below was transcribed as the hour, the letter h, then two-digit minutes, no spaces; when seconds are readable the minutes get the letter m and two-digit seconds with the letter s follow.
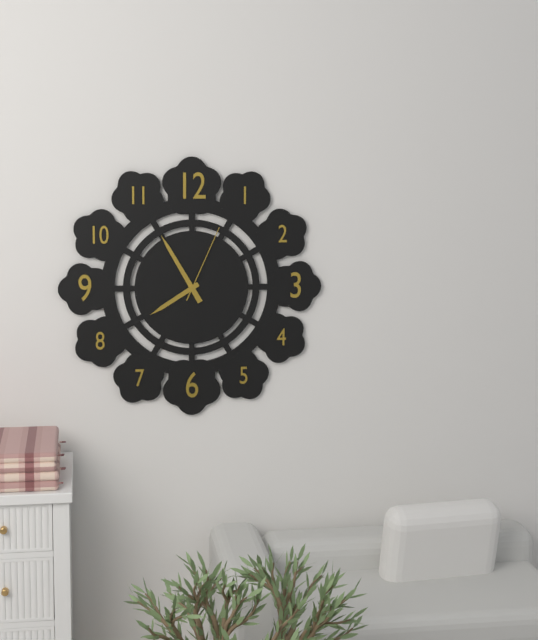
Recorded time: 7h55m04s
